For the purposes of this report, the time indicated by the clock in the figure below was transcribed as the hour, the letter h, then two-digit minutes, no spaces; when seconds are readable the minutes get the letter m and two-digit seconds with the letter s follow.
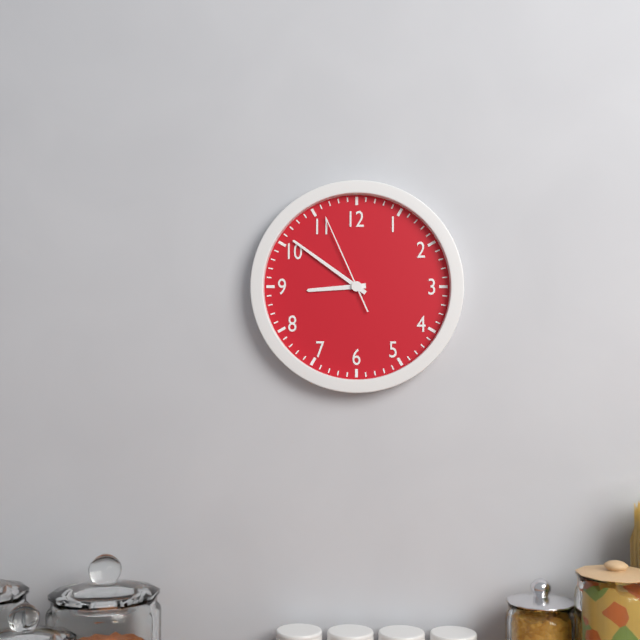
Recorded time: 8h51m56s
